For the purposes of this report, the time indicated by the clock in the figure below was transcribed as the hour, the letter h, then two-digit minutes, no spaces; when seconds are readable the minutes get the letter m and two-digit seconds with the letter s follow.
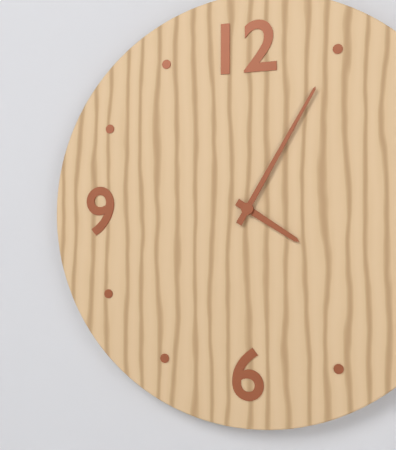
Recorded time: 4h05
